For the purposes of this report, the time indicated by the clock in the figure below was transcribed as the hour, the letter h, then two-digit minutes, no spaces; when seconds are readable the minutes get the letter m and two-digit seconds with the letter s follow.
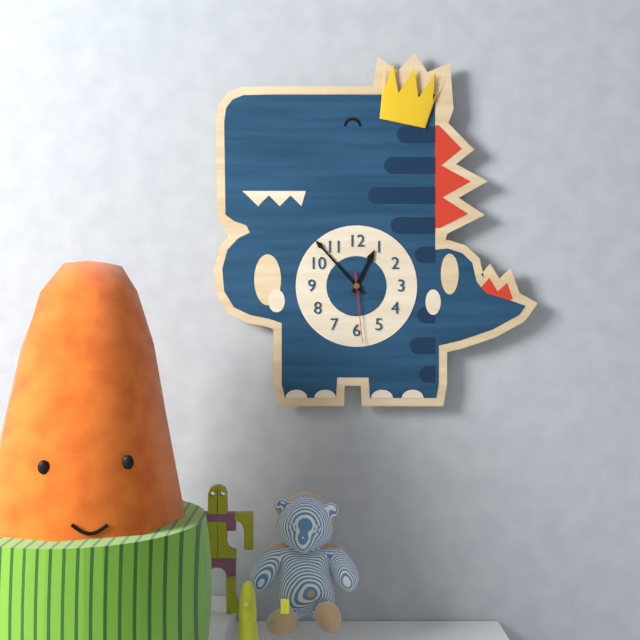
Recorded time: 12h53m29s
